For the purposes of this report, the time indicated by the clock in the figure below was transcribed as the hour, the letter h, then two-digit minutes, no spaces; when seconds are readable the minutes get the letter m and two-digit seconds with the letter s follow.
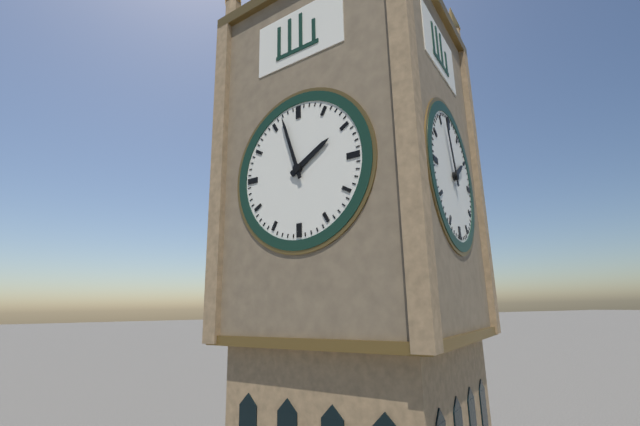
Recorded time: 1h57
